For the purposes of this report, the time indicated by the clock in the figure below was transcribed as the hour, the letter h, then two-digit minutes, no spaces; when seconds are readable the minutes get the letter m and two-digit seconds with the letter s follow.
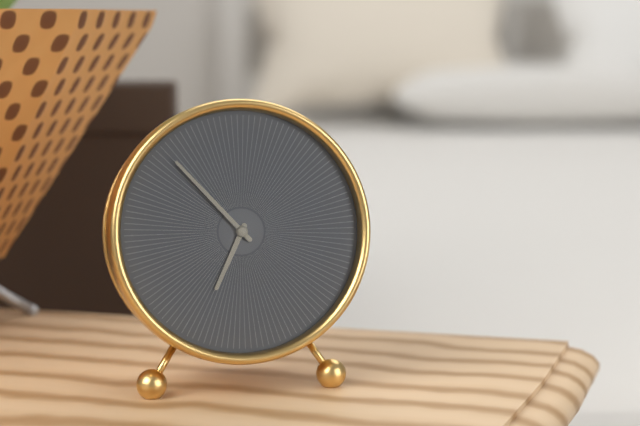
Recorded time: 6h53
